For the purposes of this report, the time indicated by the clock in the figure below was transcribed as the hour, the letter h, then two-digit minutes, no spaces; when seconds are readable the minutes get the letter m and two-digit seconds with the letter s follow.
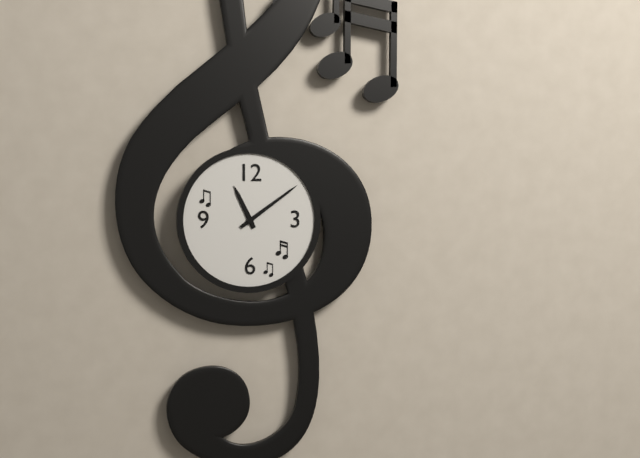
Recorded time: 11h09
